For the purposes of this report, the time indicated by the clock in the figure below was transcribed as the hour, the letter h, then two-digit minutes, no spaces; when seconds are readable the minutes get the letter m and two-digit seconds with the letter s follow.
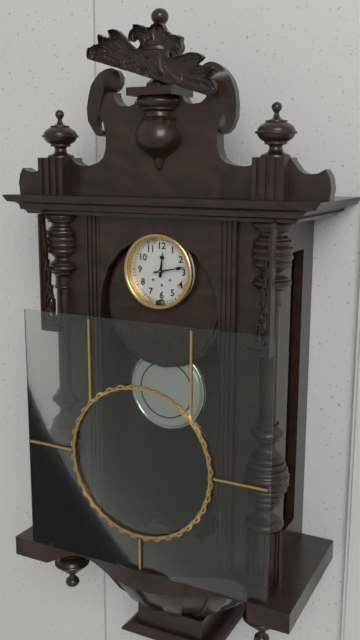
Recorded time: 12h13
